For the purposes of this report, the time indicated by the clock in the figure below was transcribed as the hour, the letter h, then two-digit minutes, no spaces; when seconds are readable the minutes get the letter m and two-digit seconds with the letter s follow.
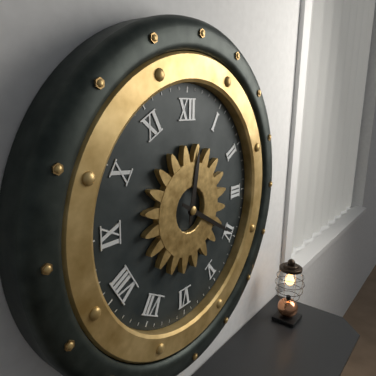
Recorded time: 12h20
